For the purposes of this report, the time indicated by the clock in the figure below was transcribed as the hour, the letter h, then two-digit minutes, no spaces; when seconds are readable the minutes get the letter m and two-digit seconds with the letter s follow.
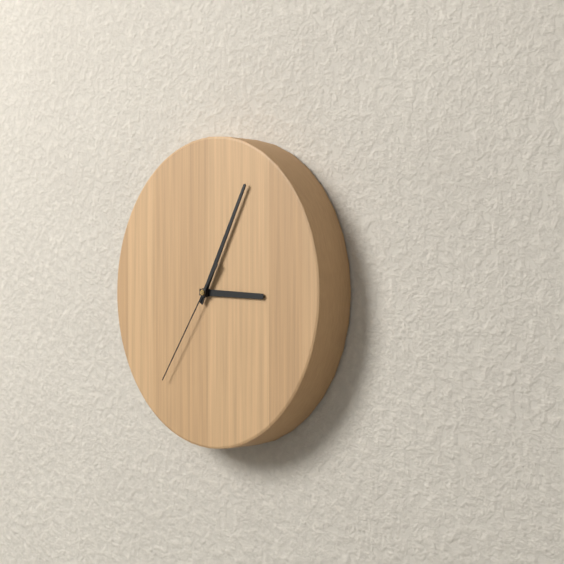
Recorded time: 3h05m36s
